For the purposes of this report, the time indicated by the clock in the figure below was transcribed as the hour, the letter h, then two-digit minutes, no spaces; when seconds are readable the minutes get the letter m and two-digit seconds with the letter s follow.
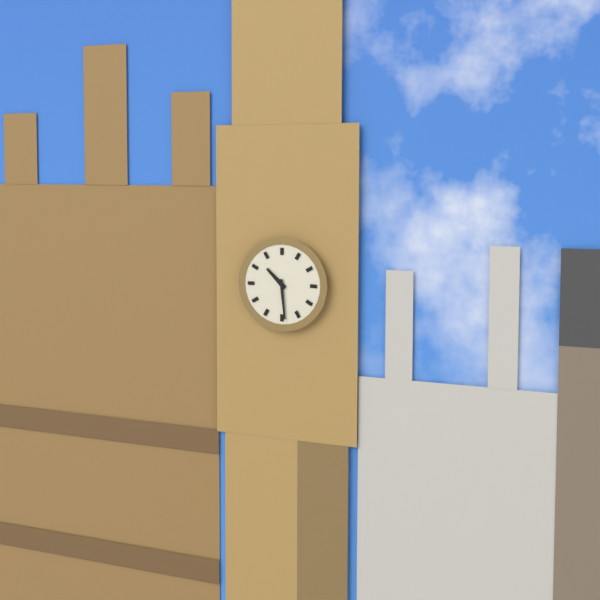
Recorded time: 10h29
